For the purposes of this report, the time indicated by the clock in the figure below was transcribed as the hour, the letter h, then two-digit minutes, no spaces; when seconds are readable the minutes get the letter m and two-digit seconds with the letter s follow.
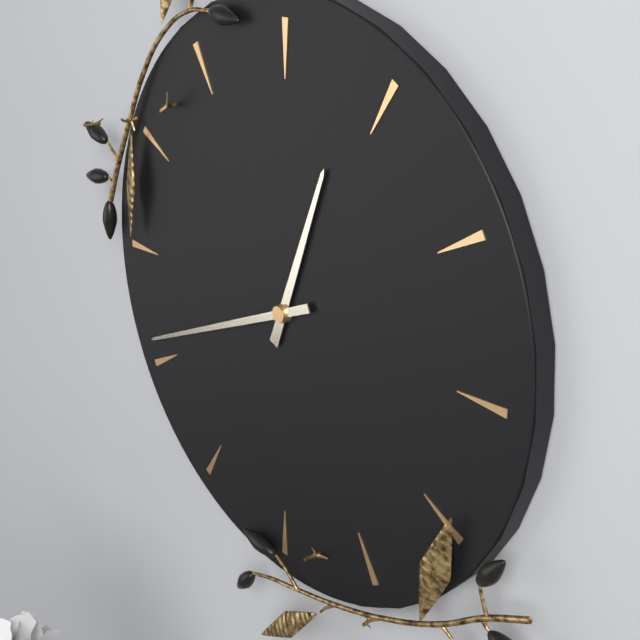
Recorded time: 12h41
